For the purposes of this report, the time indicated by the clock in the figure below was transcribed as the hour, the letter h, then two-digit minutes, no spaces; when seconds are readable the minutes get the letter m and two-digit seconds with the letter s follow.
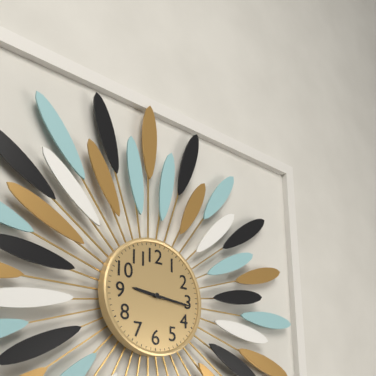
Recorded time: 9h16
